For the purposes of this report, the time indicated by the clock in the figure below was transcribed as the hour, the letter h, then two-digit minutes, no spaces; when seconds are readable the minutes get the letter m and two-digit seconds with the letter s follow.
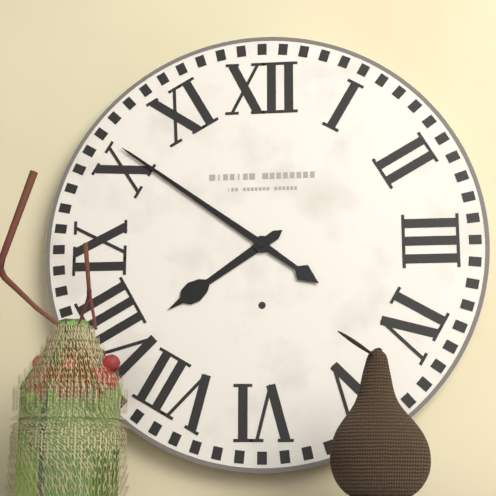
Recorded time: 7h51
